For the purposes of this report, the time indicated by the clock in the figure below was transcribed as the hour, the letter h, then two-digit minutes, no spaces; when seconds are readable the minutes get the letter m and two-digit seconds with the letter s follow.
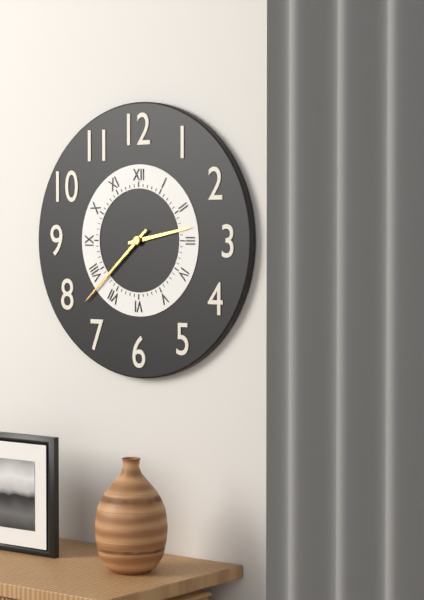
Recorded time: 2h38
